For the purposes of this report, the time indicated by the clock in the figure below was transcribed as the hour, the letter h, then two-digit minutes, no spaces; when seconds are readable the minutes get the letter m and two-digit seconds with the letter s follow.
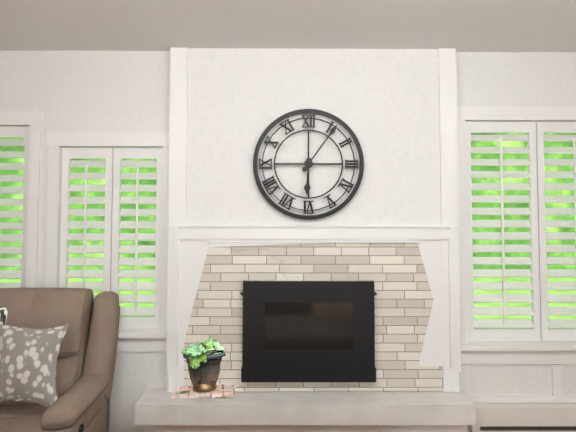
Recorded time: 6h06
